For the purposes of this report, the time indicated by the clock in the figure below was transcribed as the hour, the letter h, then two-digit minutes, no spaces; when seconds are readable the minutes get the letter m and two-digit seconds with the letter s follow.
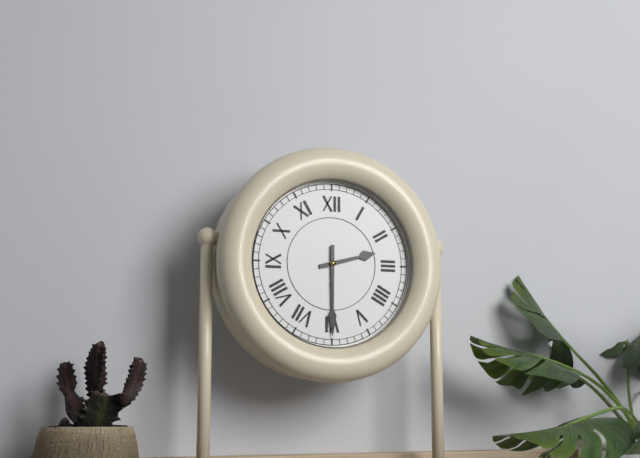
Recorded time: 2h30
